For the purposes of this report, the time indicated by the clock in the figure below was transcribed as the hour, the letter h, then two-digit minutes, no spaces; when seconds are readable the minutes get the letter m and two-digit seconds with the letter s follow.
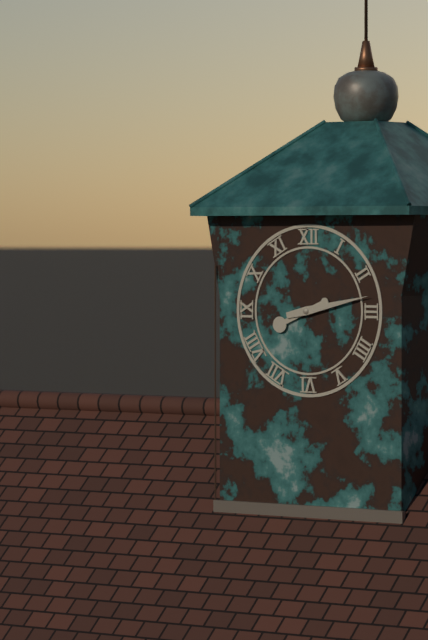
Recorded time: 8h13
